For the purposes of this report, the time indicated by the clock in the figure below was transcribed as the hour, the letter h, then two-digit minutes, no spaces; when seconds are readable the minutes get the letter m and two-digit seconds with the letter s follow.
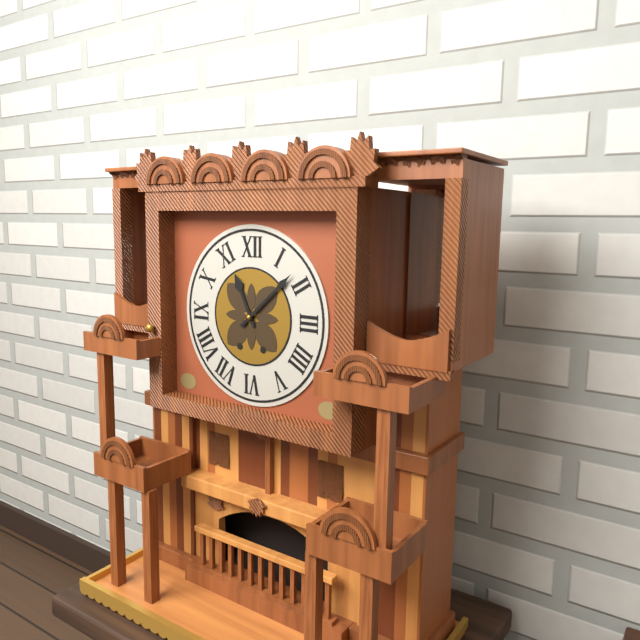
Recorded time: 11h08
